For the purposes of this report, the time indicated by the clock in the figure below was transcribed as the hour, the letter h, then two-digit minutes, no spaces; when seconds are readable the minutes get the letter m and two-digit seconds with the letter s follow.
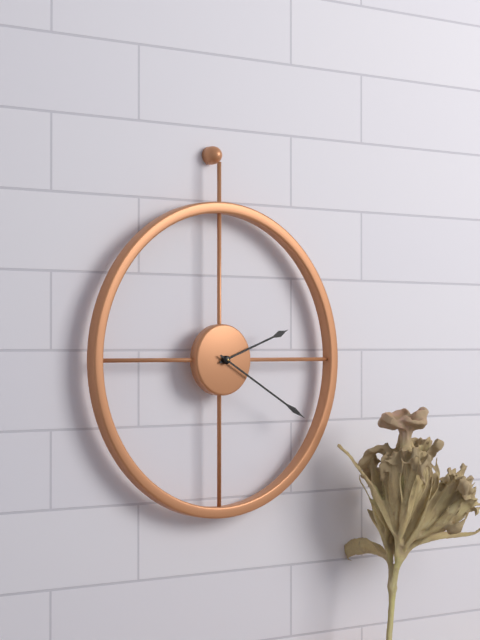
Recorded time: 2h20
